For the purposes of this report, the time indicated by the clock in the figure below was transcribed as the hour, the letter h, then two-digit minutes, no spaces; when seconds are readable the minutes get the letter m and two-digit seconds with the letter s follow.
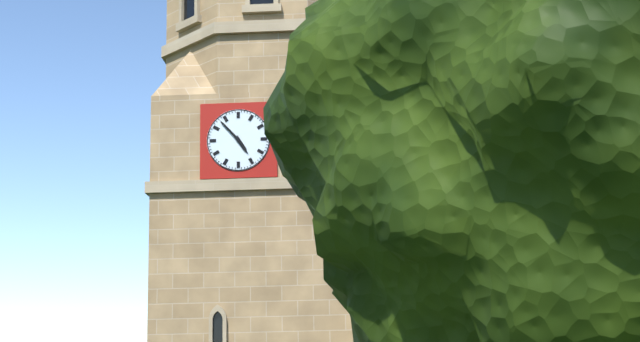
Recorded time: 4h53
